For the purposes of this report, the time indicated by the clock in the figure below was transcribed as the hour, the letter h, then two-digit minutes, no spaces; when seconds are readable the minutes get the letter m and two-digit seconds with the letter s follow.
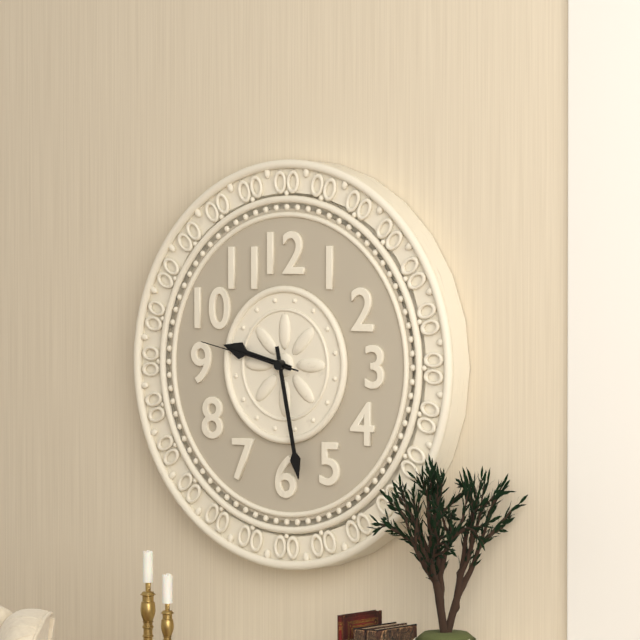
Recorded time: 9h28m47s
